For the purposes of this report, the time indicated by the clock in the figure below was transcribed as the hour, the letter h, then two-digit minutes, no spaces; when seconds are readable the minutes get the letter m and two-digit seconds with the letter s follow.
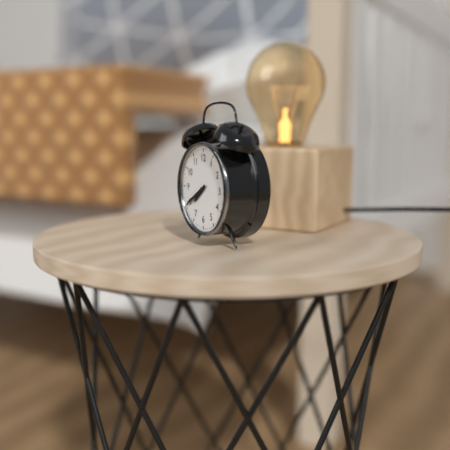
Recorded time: 7h40
